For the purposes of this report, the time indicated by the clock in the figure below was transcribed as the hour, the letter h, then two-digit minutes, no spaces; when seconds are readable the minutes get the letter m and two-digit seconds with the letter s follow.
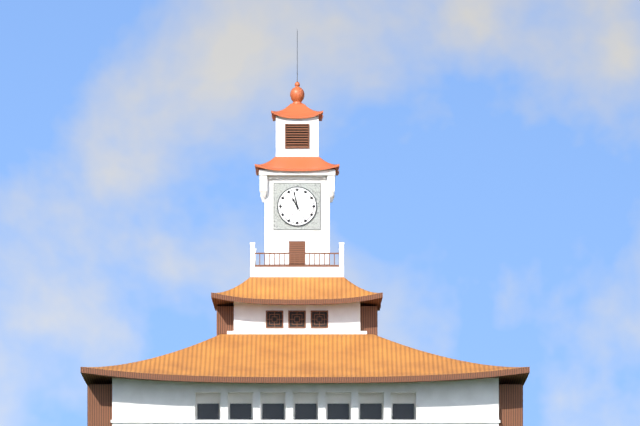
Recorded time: 10h58
